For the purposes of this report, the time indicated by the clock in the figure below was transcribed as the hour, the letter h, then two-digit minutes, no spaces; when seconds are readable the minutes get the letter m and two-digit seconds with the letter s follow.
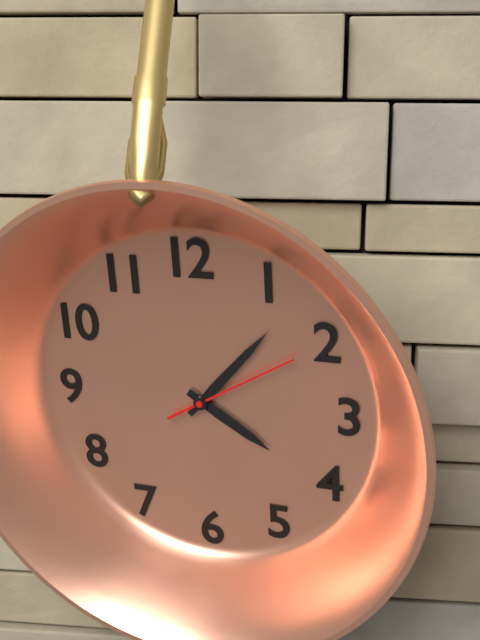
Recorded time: 4h07m10s
